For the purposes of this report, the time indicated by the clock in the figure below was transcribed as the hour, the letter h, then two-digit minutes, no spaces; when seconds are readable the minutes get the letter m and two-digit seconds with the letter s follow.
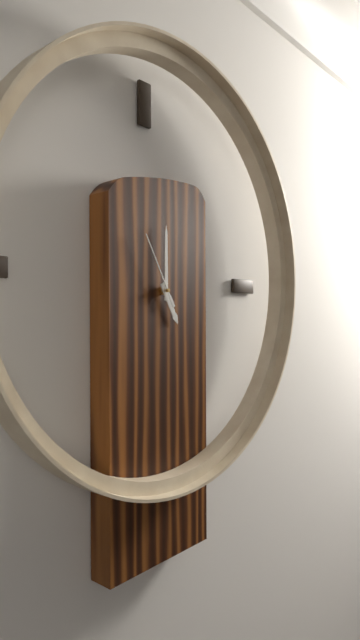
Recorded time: 5h00m55s
